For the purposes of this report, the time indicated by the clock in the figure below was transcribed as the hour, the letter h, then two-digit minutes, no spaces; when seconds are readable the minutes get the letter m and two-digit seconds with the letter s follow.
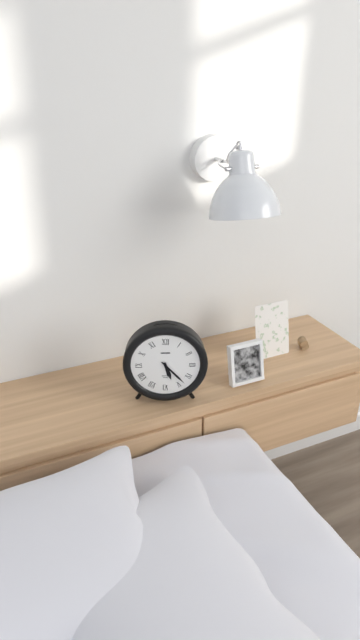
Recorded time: 5h23
